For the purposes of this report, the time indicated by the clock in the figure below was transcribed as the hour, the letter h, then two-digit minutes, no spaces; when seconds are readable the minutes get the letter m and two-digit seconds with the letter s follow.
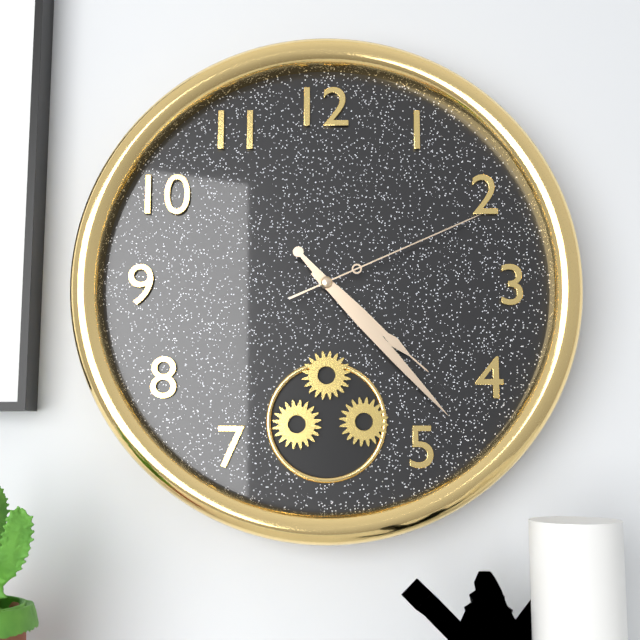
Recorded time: 4h23m11s
